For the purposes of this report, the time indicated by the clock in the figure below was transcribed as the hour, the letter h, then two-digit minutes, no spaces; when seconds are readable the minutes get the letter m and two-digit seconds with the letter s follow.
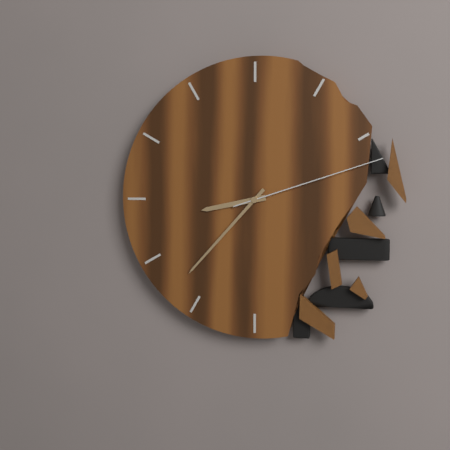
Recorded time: 8h37m12s
